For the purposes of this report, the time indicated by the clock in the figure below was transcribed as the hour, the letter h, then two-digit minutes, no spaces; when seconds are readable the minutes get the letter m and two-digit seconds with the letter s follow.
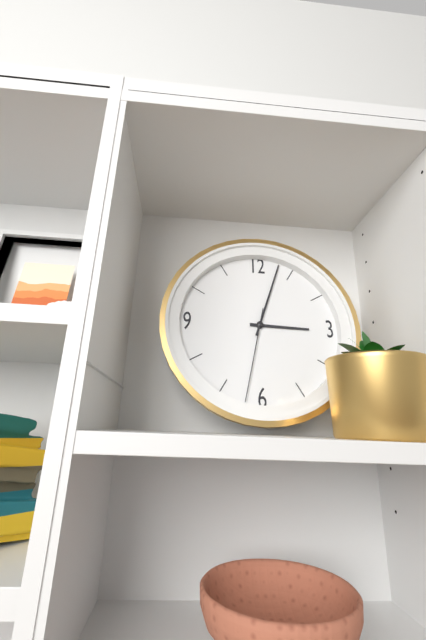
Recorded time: 3h03m32s
